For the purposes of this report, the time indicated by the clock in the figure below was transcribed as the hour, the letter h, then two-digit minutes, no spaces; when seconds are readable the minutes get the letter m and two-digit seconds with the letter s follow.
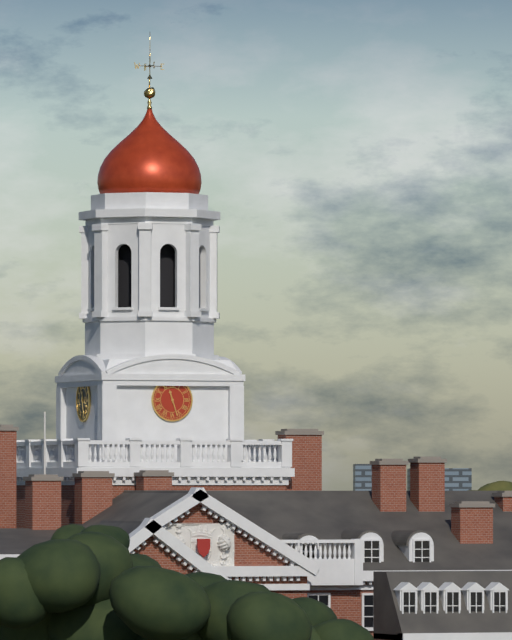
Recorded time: 11h27
